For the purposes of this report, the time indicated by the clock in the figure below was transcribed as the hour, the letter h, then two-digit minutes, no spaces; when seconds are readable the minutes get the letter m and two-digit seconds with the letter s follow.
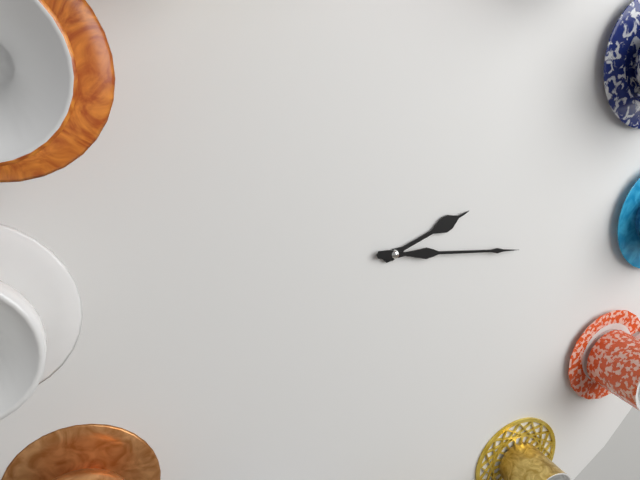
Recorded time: 2h16
